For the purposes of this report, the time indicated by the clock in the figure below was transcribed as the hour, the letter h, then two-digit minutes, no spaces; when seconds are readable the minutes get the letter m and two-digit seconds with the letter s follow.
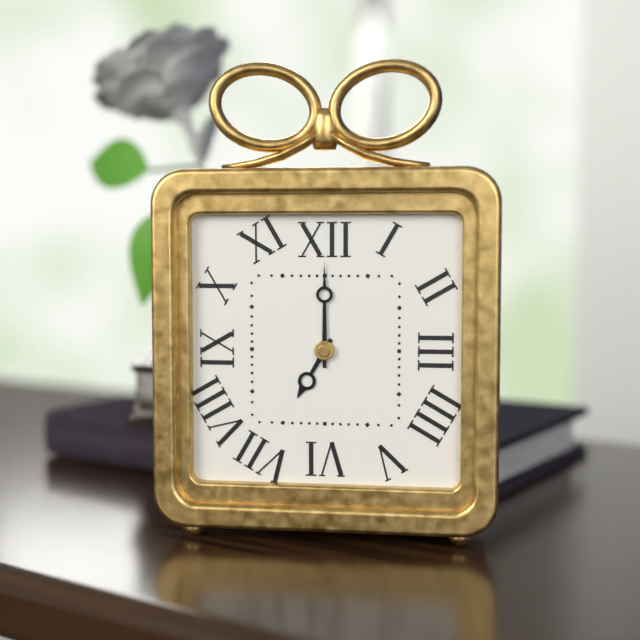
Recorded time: 7h00
